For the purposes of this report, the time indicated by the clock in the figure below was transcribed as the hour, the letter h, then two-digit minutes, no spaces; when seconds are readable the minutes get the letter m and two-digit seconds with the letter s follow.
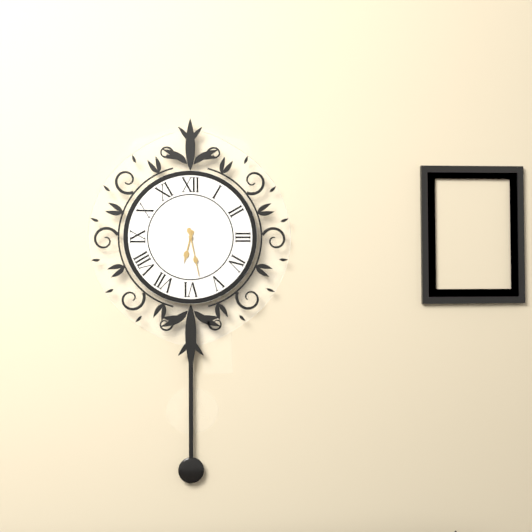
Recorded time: 6h28
